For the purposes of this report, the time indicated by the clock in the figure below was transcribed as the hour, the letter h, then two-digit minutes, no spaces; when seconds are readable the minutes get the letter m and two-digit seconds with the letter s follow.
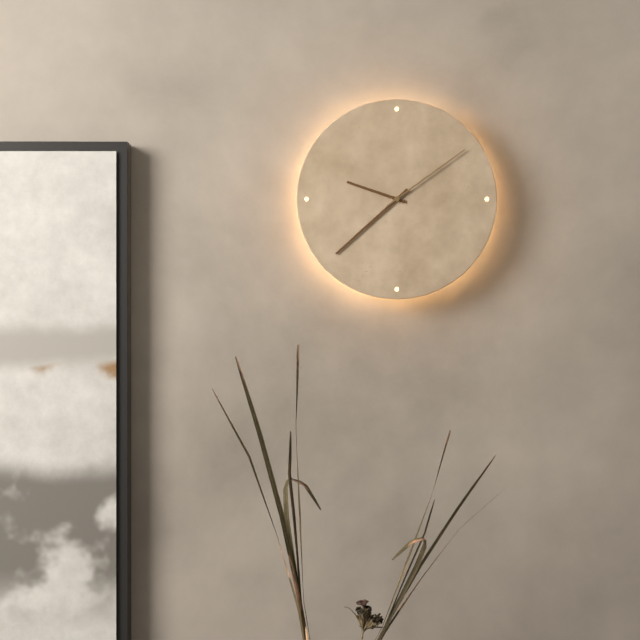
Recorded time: 9h38m09s
